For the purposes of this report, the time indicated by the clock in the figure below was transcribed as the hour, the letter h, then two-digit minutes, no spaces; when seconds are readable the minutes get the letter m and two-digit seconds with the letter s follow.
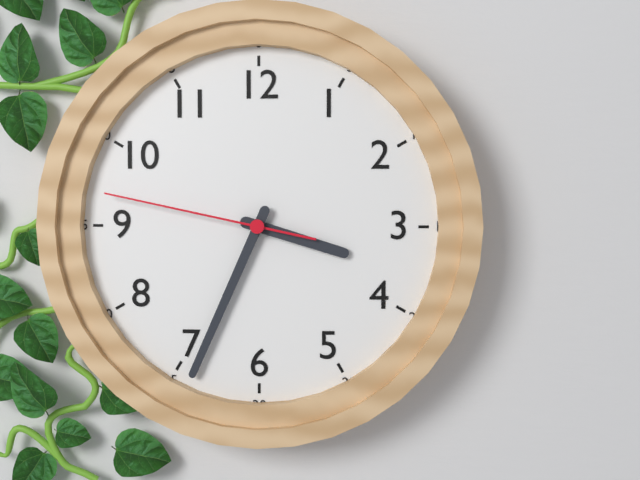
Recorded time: 3h34m47s
